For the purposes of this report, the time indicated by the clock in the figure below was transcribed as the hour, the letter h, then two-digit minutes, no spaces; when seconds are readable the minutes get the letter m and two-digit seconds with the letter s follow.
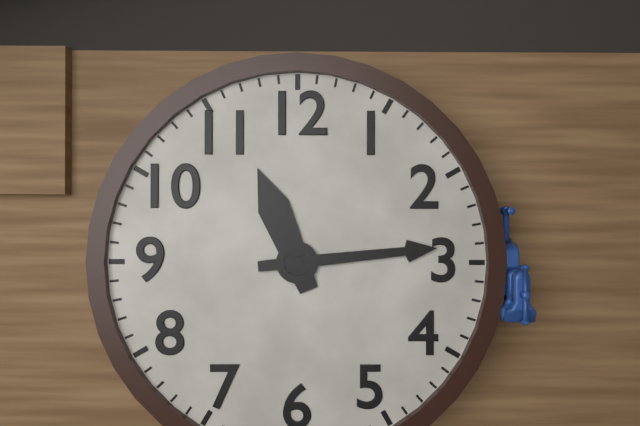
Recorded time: 11h14
